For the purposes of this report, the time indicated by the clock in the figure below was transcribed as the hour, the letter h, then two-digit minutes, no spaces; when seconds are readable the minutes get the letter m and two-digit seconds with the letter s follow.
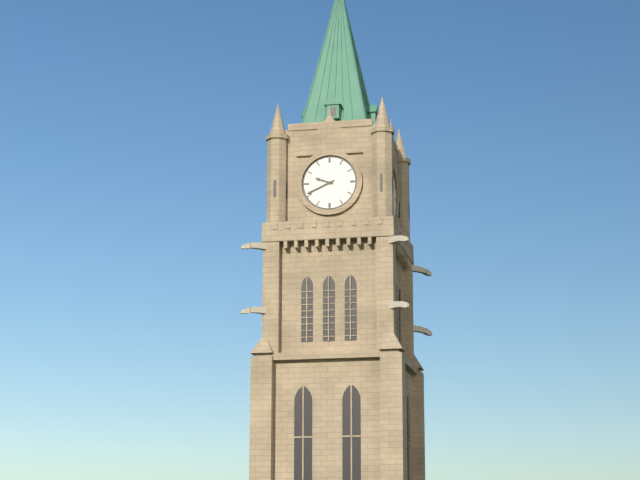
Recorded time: 9h41
